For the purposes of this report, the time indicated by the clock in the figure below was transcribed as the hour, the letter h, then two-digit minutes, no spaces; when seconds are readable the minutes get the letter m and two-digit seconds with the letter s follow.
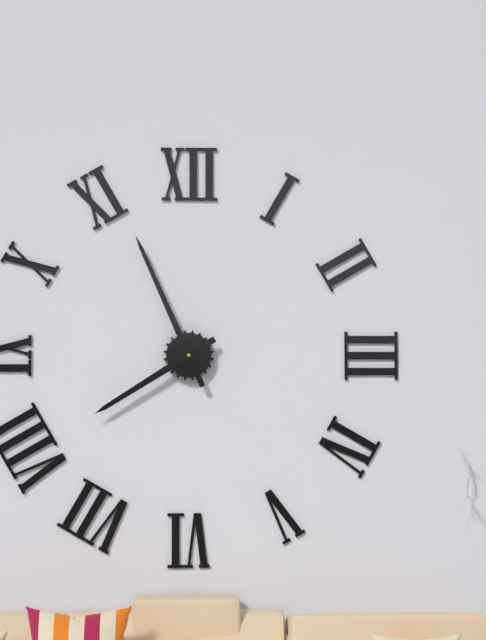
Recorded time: 7h56
